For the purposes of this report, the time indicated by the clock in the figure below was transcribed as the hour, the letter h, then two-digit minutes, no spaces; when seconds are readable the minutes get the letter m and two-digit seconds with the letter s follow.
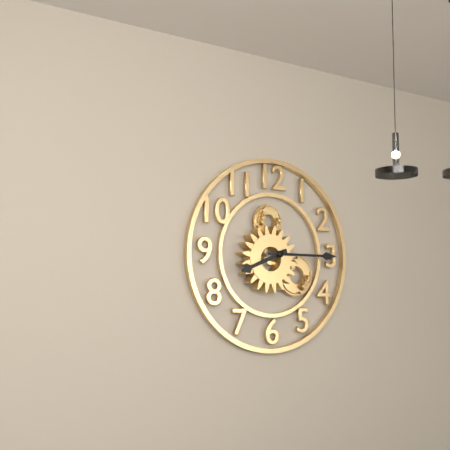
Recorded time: 8h15
